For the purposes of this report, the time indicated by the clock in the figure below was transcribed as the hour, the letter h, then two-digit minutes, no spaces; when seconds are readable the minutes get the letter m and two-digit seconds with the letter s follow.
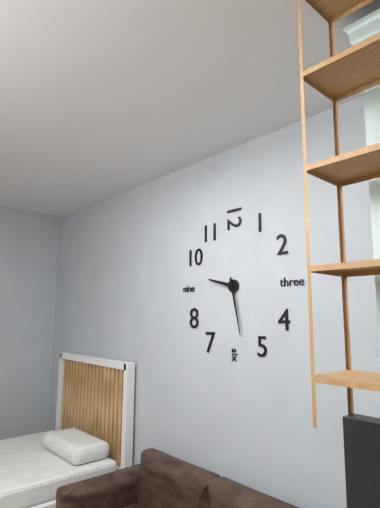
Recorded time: 9h28
